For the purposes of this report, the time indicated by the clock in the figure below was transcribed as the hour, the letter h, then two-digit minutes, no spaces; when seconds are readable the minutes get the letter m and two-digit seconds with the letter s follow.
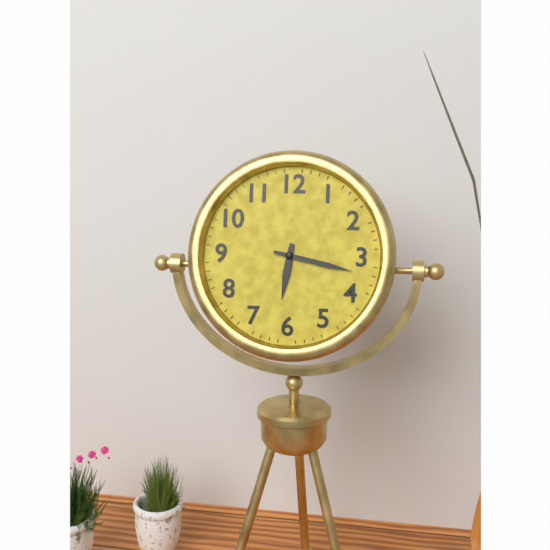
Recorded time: 6h17
